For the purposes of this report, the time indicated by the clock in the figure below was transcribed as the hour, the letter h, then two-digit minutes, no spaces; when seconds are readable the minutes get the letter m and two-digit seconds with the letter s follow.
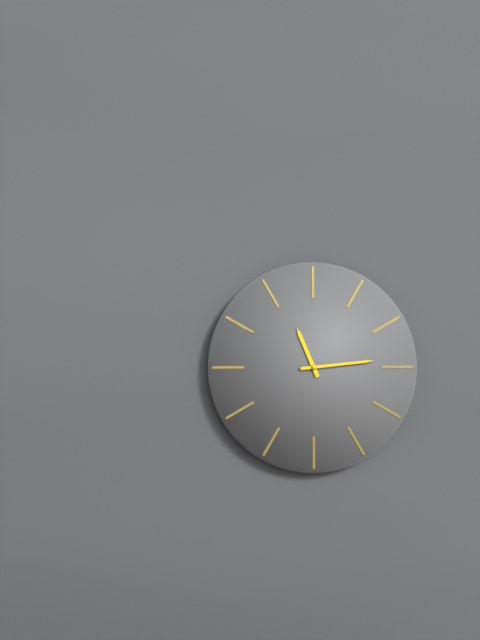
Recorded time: 11h14
